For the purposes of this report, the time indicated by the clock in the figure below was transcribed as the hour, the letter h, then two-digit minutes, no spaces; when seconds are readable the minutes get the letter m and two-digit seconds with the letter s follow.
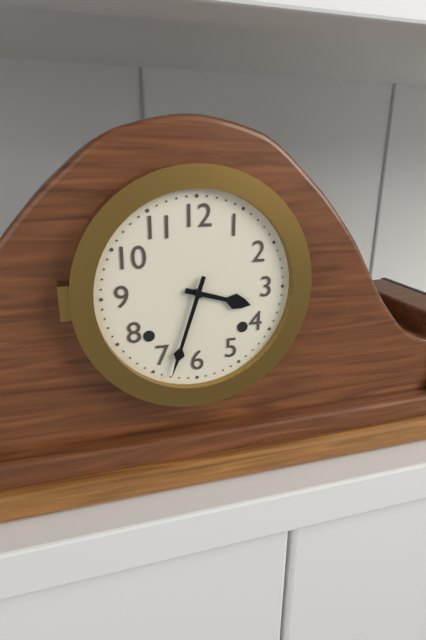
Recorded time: 3h33
